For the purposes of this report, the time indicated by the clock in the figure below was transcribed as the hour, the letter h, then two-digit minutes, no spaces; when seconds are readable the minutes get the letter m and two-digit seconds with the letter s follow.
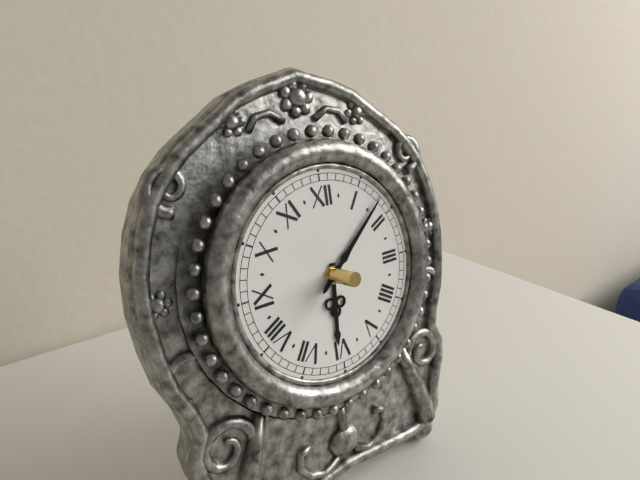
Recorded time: 6h08
